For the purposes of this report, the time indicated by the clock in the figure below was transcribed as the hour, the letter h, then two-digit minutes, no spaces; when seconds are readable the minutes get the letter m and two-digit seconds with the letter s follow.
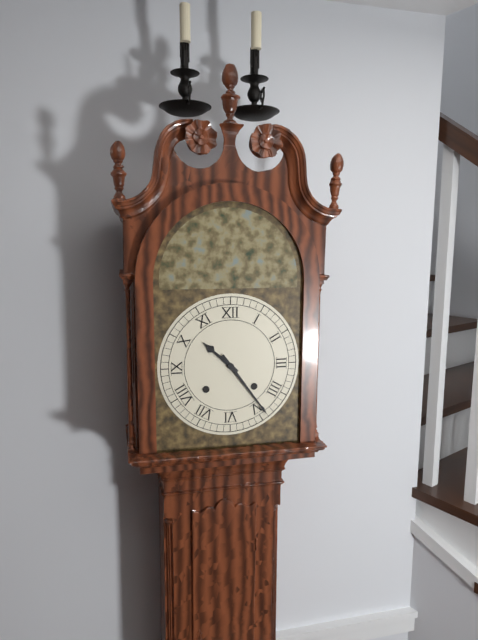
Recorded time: 10h24
